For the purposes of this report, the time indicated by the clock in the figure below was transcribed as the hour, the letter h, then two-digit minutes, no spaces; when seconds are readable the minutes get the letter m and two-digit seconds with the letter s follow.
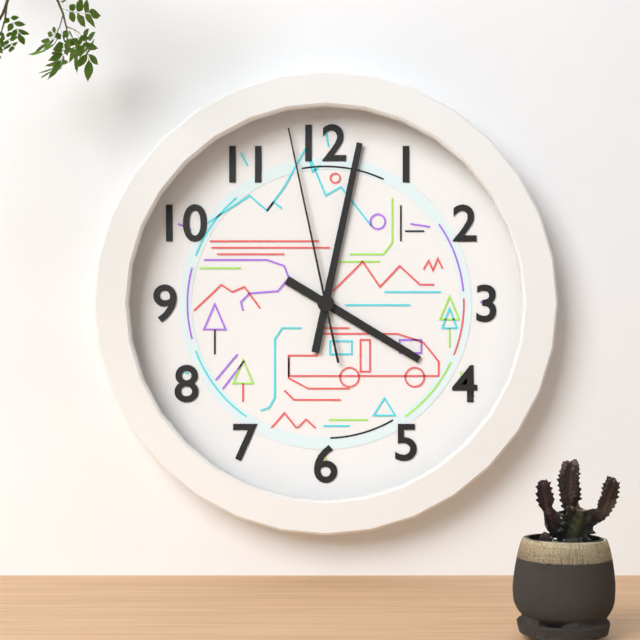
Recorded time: 4h02m58s
